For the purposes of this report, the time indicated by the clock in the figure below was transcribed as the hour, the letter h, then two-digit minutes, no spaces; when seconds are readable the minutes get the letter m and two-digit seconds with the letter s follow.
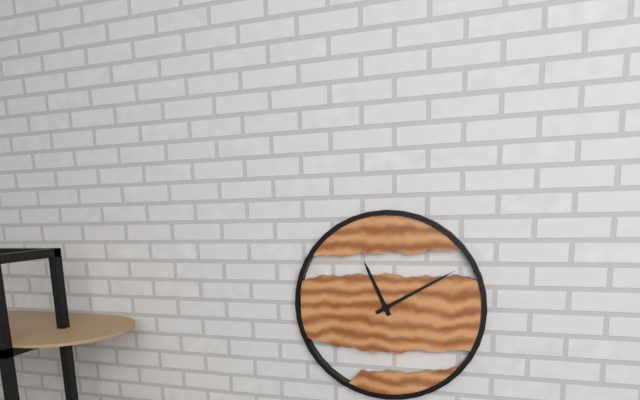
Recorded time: 11h10
